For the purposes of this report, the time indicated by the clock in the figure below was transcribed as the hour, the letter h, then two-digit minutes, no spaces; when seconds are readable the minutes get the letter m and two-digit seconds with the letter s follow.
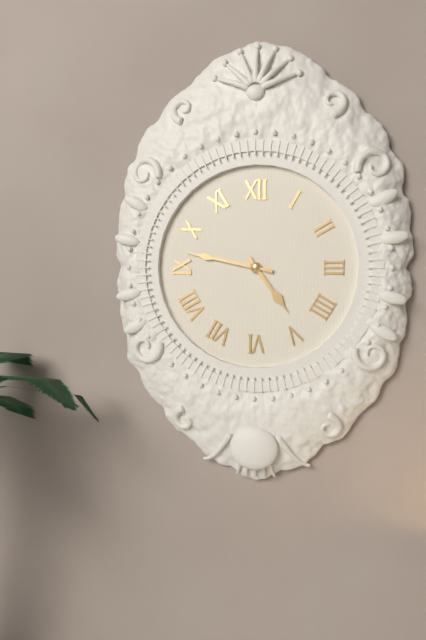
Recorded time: 4h47
